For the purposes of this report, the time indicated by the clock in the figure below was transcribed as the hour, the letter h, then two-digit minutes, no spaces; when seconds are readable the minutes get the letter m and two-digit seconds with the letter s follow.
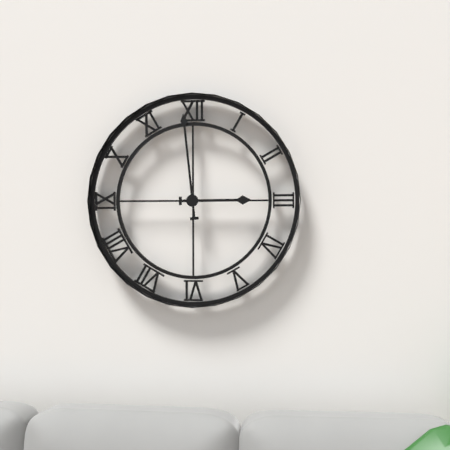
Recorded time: 2h59
